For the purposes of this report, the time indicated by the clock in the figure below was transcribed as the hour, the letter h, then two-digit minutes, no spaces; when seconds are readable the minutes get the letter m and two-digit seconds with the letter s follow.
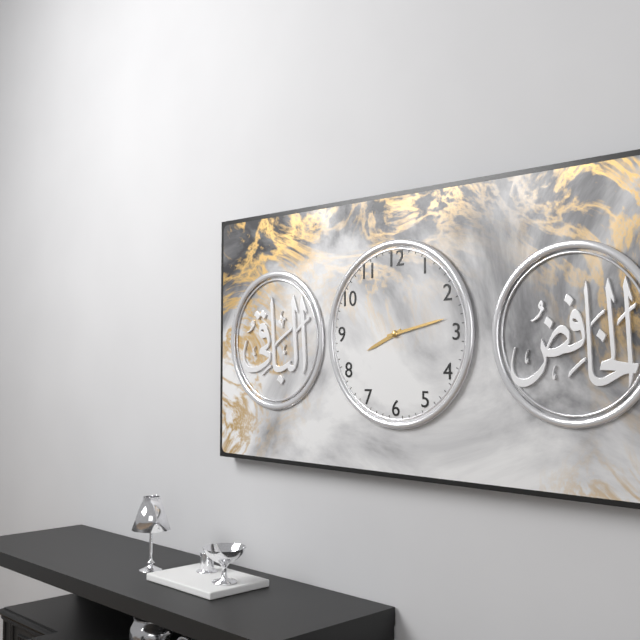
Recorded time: 8h13
